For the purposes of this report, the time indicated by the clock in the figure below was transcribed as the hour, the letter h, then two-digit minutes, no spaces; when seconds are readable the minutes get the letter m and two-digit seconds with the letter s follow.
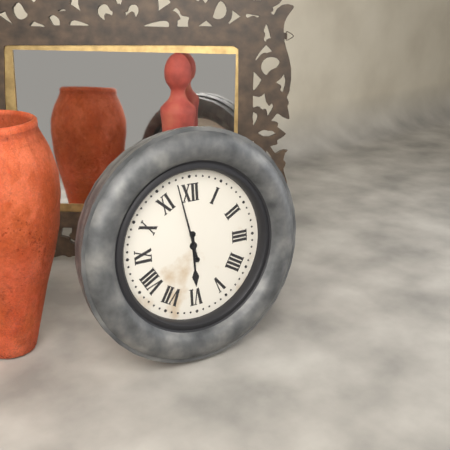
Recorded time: 5h58
